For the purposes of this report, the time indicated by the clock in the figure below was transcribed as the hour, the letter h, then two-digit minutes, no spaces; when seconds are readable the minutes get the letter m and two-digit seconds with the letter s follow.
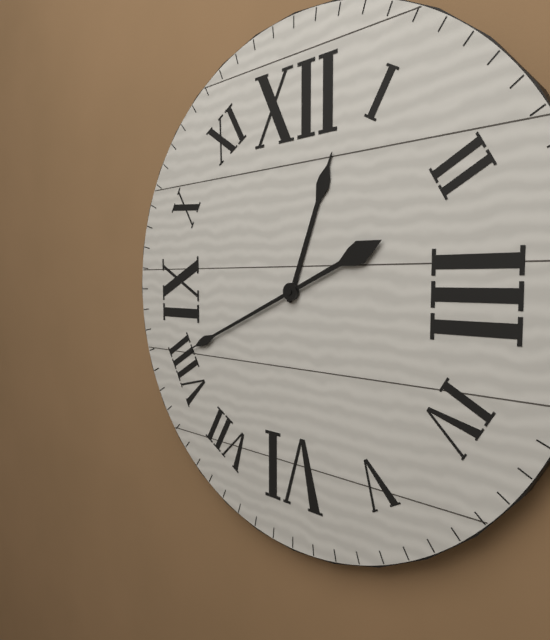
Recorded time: 12h41
